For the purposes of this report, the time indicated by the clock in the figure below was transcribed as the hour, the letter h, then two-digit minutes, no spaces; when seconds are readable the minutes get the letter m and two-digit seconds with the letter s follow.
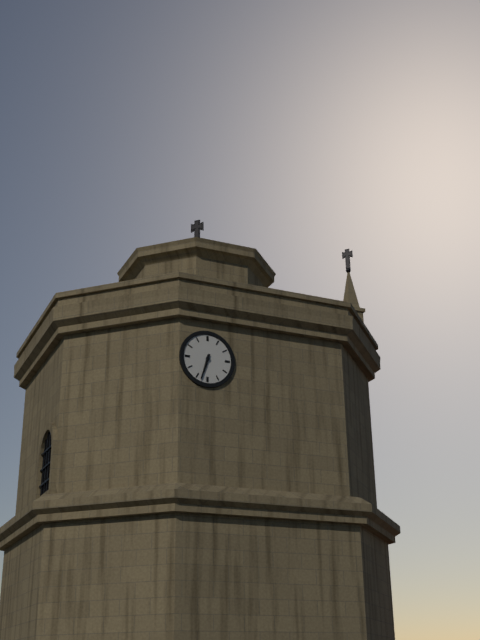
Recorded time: 6h33
